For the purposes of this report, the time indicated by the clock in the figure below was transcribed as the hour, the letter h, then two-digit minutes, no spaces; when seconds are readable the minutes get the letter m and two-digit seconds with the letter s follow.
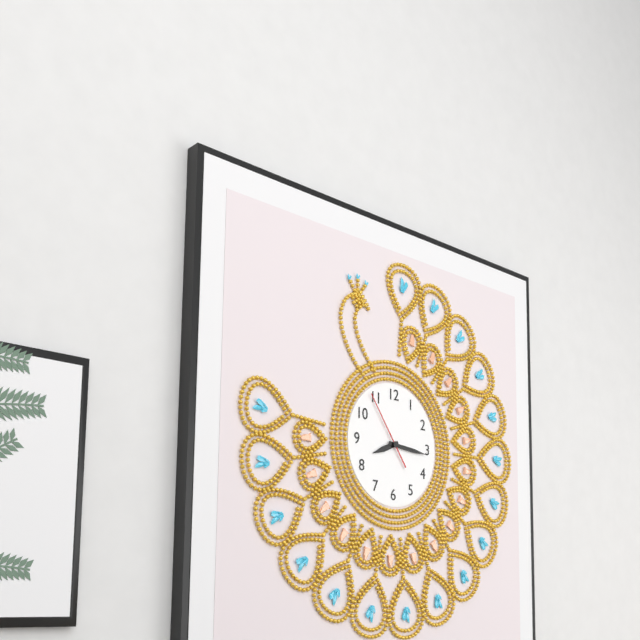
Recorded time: 8h16m54s
